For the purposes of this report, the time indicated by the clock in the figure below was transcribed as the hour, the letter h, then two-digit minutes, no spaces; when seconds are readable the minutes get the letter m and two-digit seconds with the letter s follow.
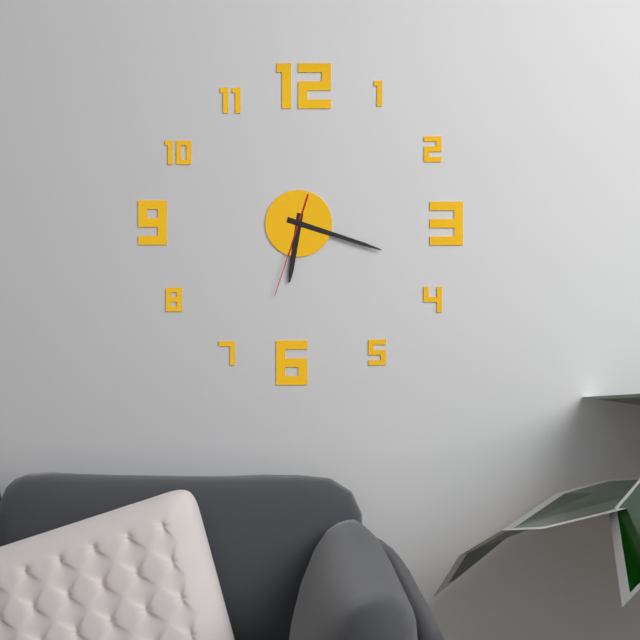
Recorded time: 6h18m33s
